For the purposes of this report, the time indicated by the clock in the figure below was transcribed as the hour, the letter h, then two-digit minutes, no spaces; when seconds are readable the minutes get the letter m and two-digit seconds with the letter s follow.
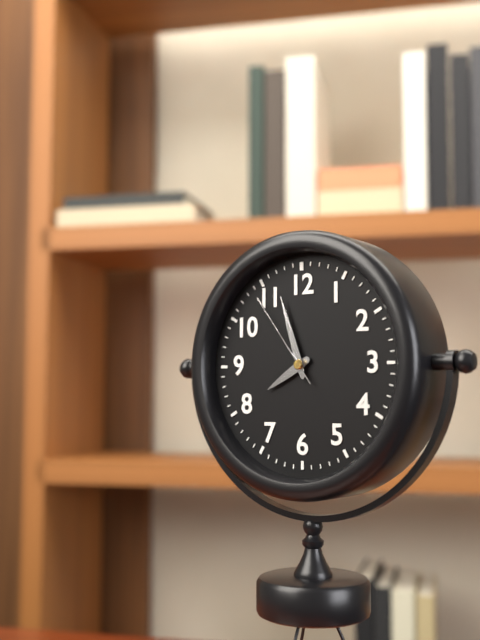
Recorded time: 7h57m54s
